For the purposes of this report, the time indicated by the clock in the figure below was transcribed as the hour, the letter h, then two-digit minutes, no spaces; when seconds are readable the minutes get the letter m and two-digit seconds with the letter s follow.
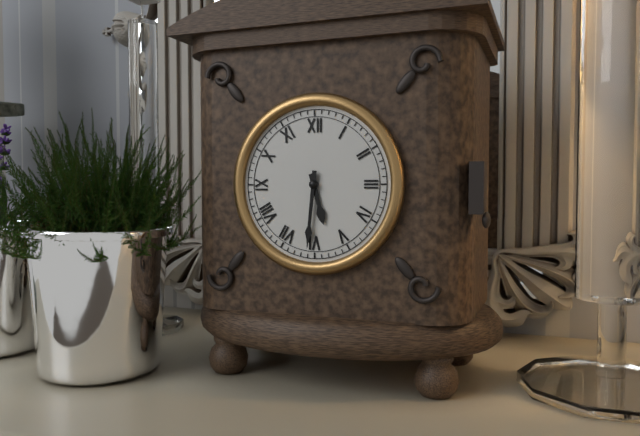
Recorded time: 5h31
